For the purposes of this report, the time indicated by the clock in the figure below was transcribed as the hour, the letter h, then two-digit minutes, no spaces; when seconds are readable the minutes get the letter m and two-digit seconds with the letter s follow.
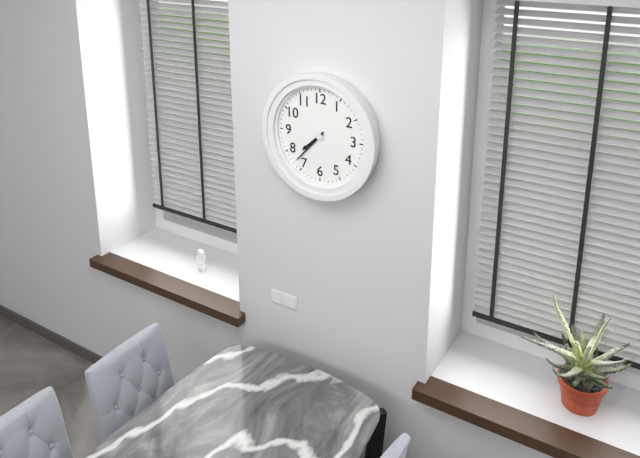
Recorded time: 7h37
